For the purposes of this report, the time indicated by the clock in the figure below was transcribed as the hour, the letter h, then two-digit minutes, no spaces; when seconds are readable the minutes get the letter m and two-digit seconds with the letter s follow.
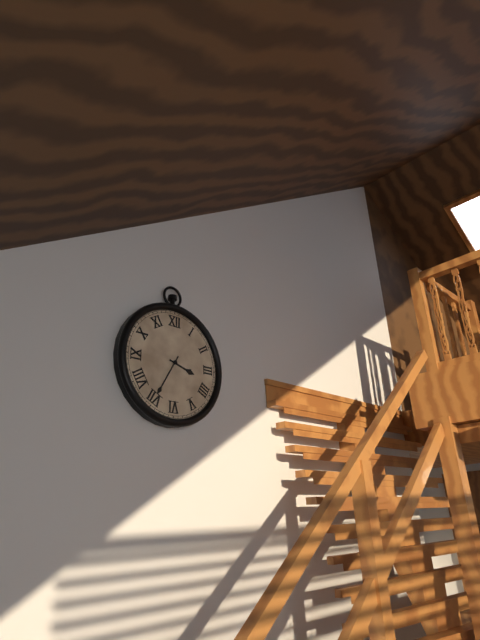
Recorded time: 3h35
